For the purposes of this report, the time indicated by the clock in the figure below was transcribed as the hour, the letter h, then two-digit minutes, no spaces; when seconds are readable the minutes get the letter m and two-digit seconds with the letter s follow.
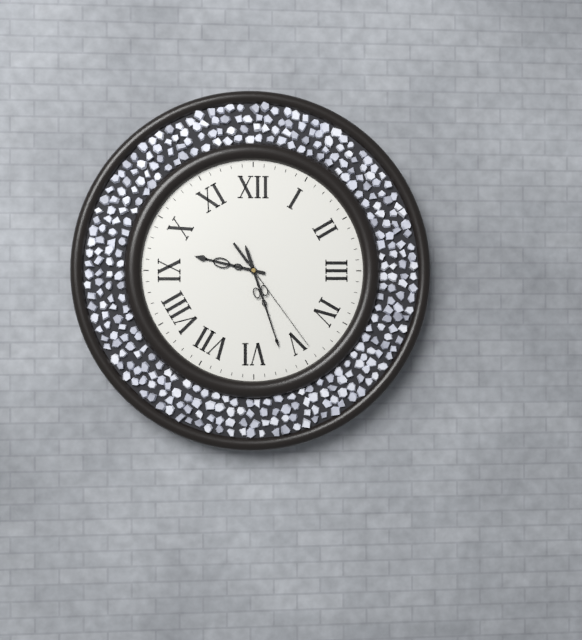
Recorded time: 9h27m24s
